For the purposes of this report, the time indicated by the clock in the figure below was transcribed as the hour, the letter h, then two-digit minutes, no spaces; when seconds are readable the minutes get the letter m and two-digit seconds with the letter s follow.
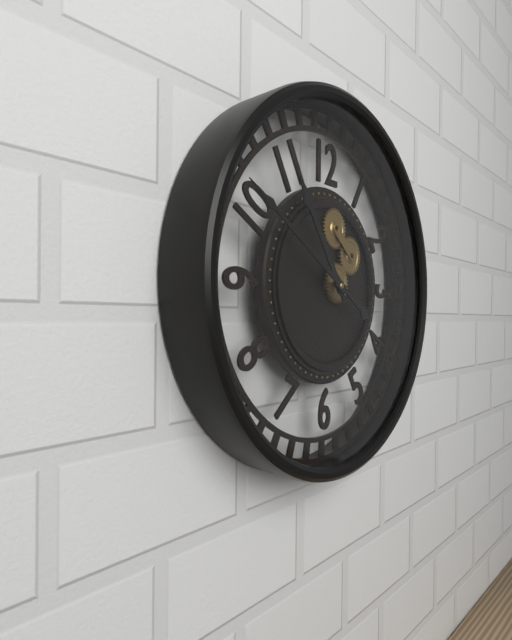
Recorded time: 10h50
